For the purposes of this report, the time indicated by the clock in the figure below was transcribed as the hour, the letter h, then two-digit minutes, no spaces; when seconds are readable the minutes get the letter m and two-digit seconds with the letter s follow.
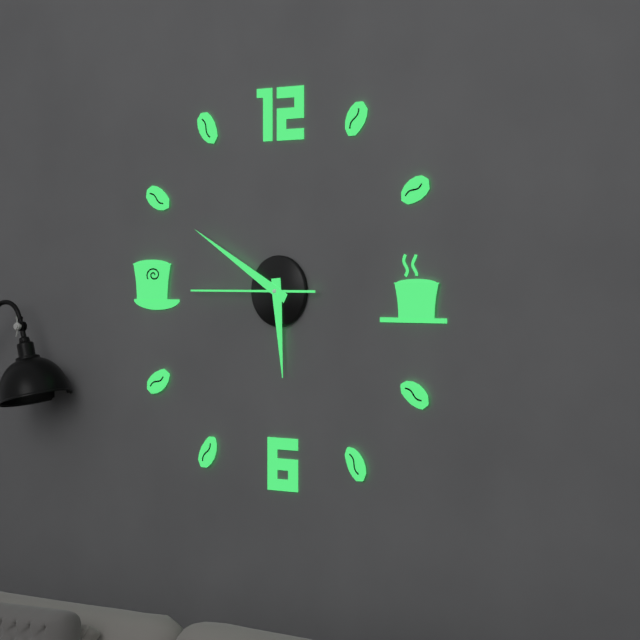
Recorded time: 5h50m45s
